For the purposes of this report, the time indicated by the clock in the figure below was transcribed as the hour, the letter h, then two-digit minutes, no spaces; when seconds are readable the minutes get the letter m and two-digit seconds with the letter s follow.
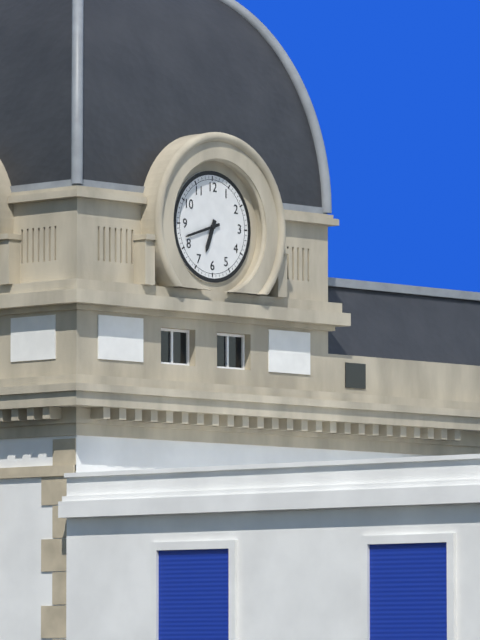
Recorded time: 6h42
